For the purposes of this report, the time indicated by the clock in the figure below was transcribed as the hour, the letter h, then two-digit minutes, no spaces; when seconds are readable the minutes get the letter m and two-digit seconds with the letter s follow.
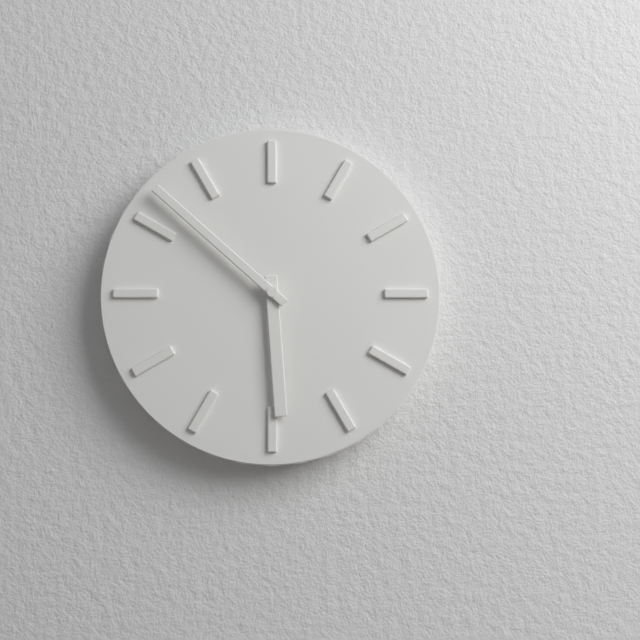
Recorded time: 5h52
